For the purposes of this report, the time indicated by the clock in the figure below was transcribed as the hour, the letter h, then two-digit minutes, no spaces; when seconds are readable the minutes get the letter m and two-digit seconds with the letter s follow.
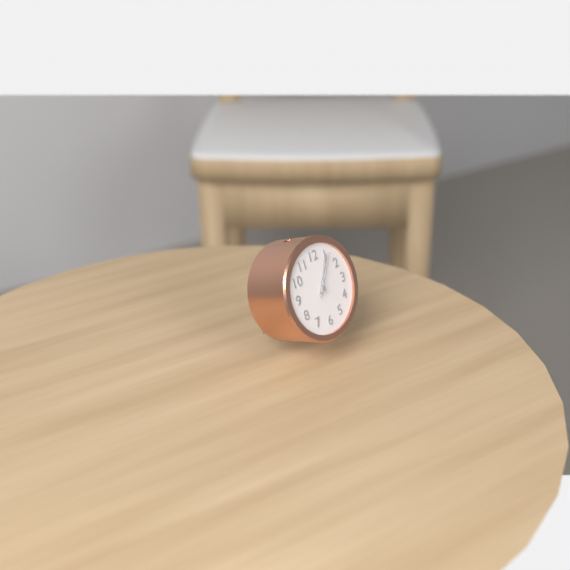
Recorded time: 1h05
